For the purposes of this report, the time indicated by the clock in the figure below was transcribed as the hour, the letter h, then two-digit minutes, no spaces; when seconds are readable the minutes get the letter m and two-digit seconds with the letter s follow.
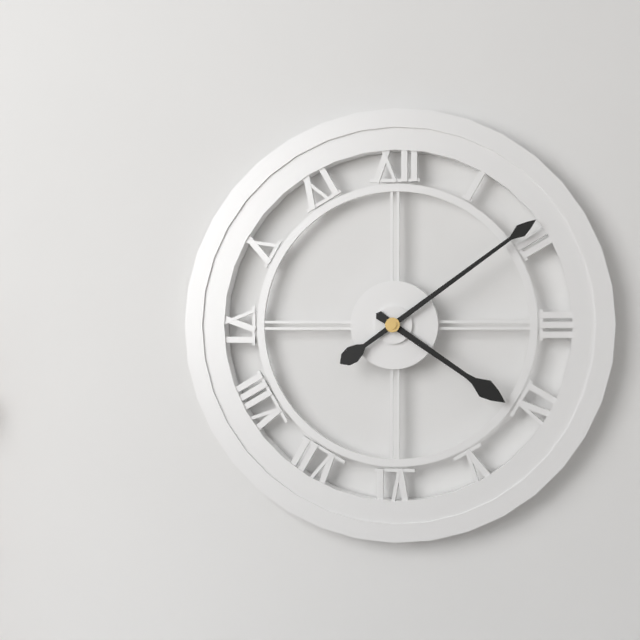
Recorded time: 4h09
